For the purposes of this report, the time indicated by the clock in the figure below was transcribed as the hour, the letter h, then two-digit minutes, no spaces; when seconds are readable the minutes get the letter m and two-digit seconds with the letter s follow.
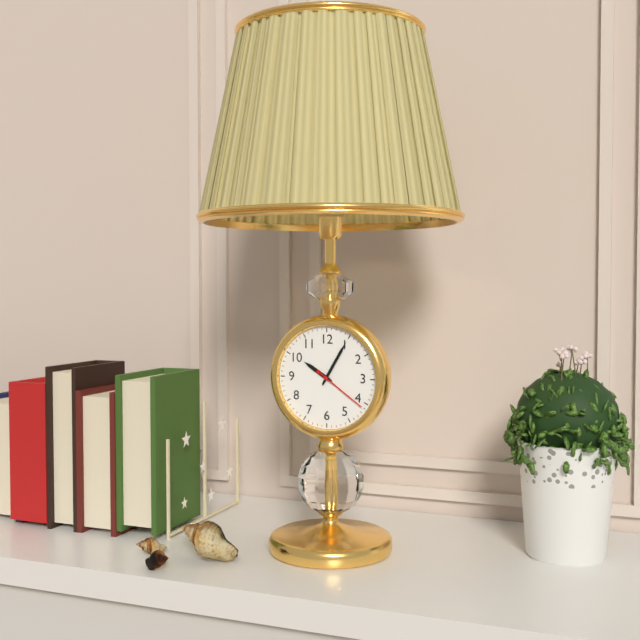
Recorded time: 10h05m21s
